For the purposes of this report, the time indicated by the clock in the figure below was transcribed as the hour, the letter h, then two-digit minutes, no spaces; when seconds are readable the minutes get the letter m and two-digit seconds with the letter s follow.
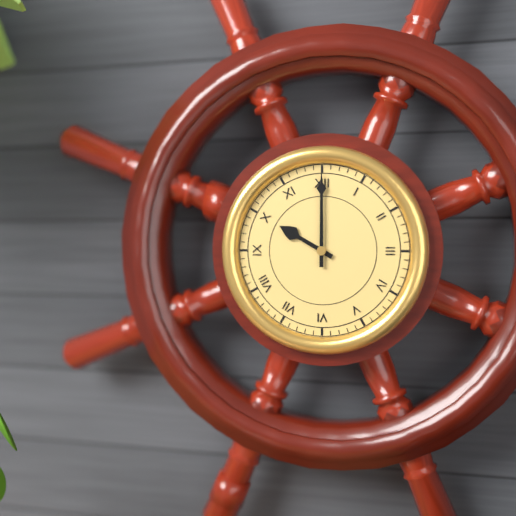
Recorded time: 10h00
